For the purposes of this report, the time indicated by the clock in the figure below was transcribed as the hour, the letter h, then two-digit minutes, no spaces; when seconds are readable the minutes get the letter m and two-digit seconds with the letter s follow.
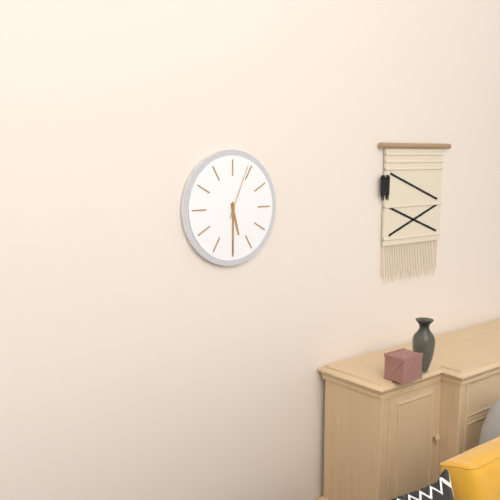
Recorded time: 5h30m04s
